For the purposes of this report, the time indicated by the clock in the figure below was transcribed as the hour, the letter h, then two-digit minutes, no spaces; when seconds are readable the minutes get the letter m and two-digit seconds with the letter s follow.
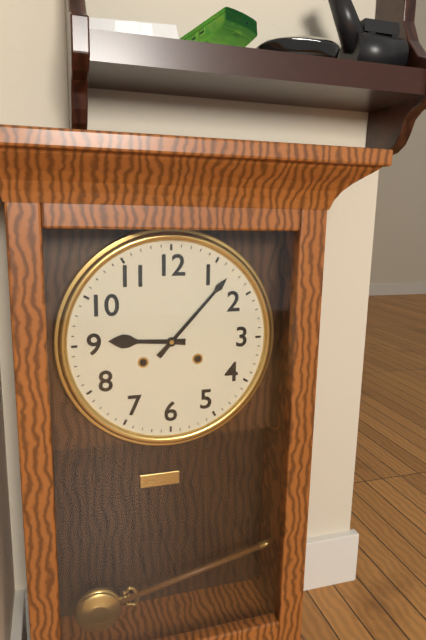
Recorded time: 9h07
